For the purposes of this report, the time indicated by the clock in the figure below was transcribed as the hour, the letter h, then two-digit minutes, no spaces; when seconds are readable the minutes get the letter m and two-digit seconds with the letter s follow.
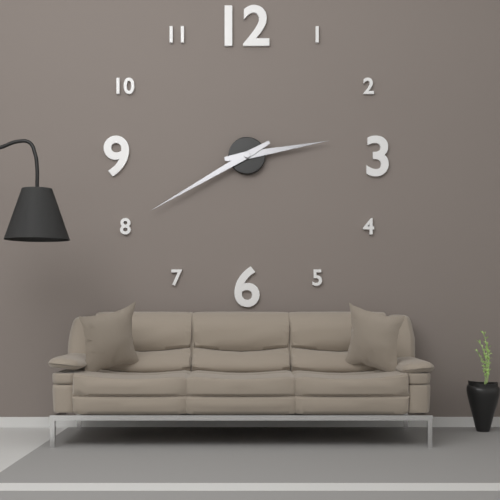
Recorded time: 2h40
